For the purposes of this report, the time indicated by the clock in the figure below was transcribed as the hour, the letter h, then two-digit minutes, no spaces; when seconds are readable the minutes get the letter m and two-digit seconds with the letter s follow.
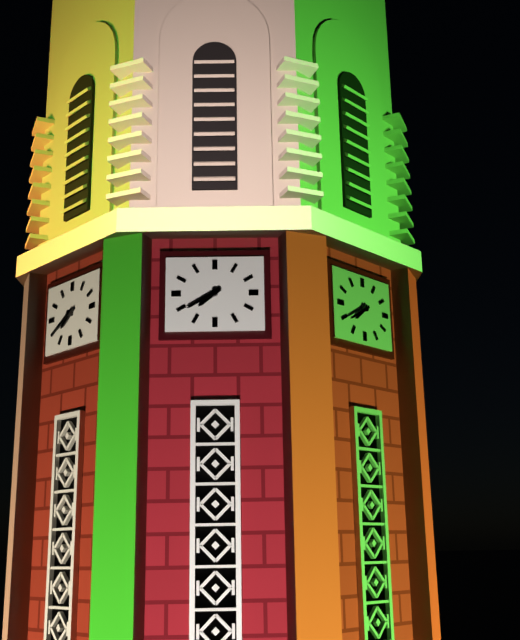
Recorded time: 7h40
